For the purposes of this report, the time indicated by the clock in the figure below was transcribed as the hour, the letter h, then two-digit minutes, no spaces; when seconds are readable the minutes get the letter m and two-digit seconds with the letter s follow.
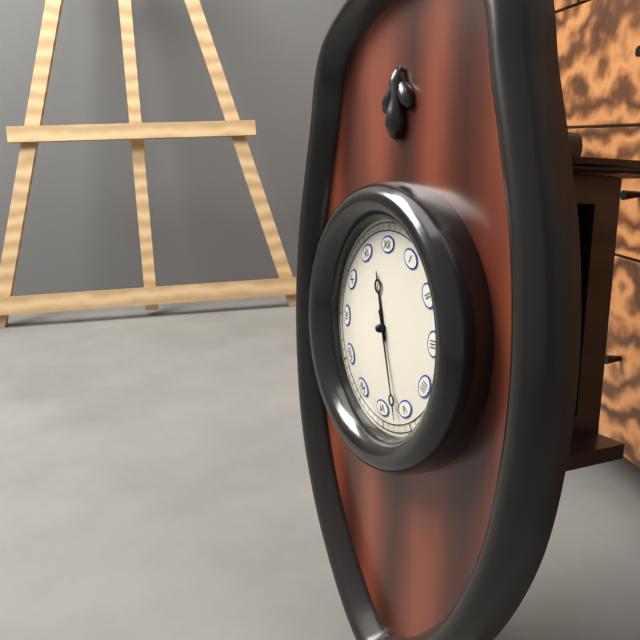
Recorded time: 11h27
